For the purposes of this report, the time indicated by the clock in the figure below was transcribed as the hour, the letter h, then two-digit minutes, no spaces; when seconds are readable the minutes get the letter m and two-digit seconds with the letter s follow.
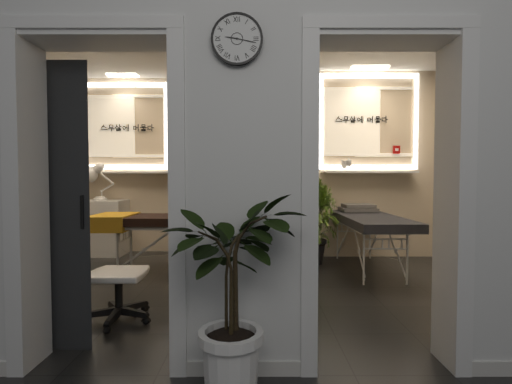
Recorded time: 9h17
